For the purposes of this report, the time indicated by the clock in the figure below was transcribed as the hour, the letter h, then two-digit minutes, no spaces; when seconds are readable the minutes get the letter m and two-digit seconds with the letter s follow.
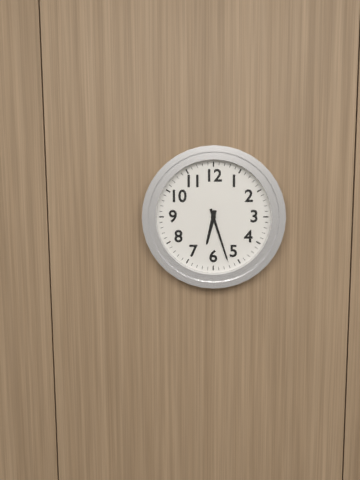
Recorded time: 6h27
